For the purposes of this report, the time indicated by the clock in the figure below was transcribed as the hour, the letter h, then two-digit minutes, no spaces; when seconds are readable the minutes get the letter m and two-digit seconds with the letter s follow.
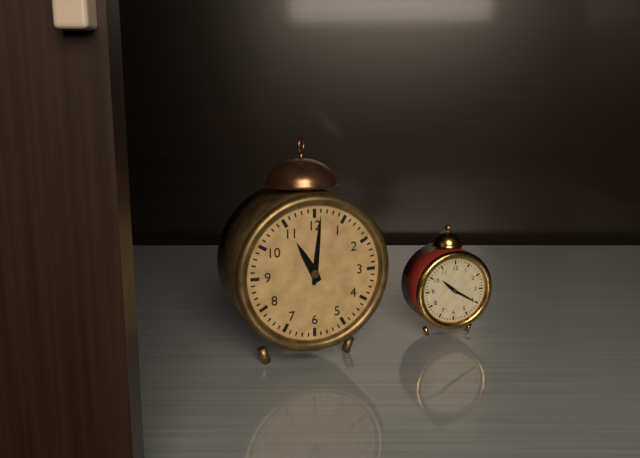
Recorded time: 11h01
